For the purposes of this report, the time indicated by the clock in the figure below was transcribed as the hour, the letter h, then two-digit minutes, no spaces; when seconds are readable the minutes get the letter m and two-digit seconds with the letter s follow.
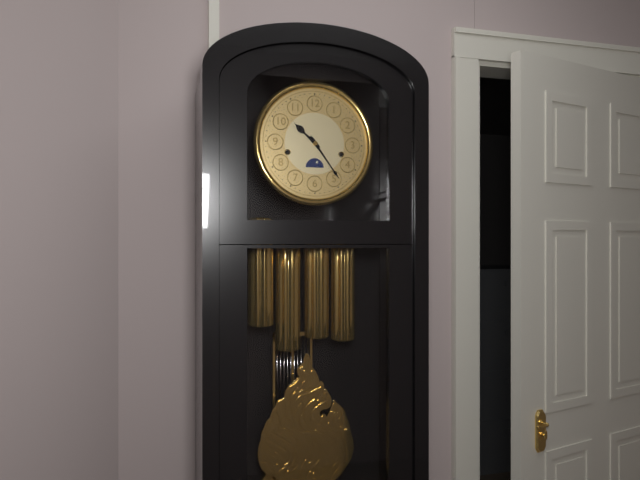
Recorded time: 10h24
